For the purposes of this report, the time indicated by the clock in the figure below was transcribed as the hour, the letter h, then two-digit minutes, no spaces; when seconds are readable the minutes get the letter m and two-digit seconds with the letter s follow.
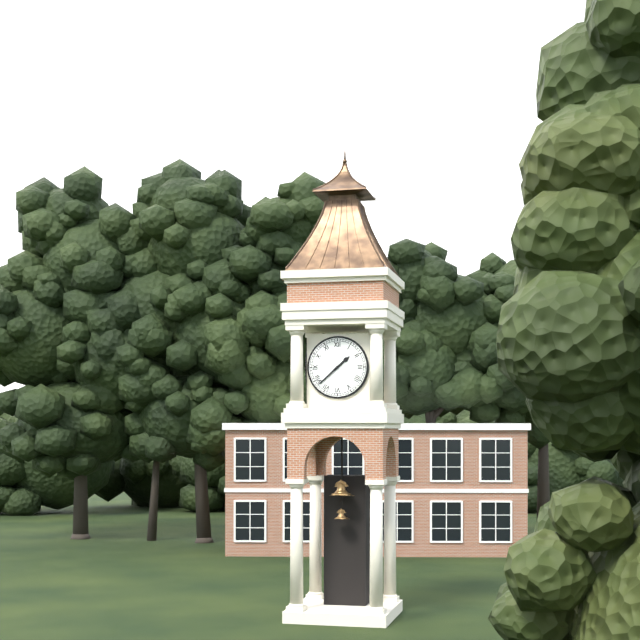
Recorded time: 1h38
